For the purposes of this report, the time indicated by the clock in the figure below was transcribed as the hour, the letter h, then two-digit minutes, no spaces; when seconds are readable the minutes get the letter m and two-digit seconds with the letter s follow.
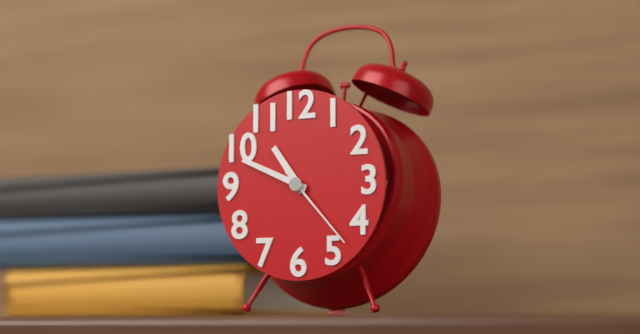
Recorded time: 10h49m23s
